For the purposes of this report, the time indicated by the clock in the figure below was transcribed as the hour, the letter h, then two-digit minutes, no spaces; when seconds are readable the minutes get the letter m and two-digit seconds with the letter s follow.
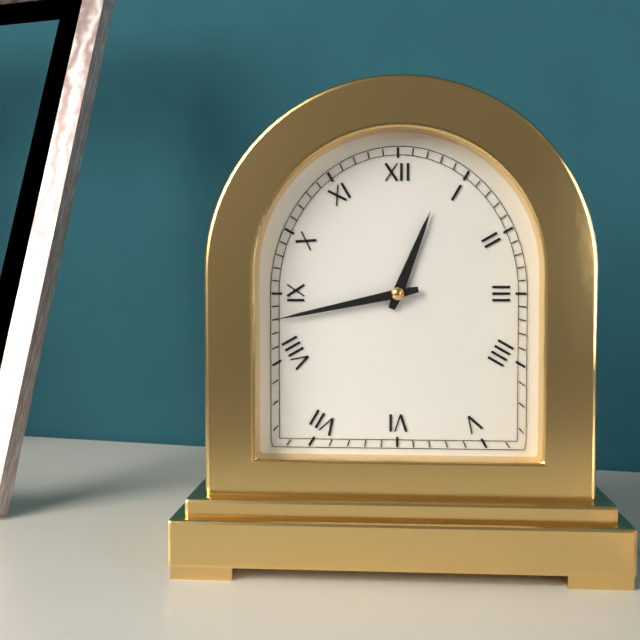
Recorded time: 12h43
